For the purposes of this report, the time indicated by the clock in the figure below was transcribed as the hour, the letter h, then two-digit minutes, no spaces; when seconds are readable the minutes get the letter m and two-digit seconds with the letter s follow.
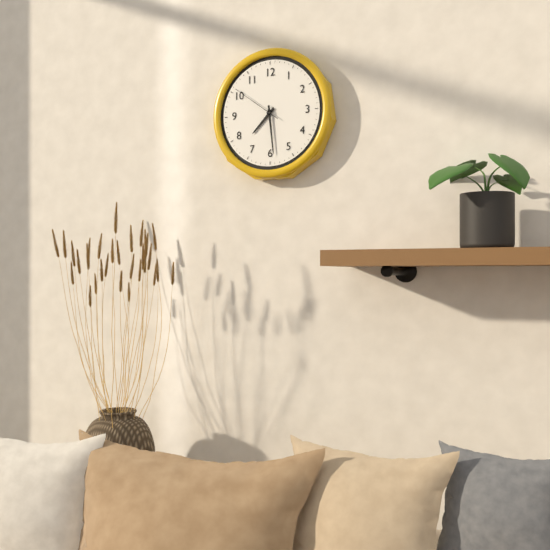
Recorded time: 7h29m51s
